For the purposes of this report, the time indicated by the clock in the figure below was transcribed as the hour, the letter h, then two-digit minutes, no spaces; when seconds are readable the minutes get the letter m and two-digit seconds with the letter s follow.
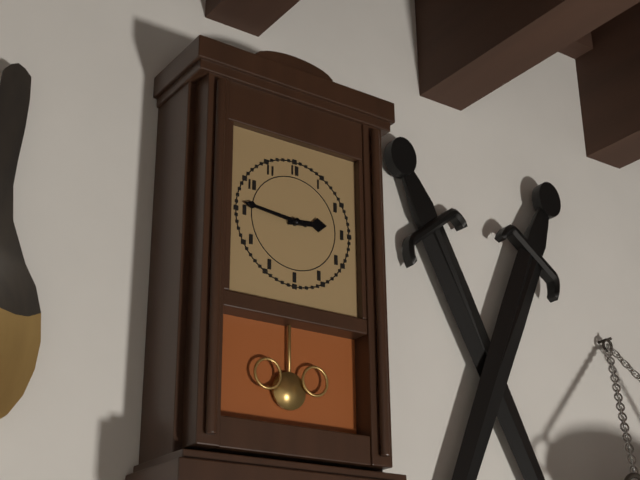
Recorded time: 2h46
